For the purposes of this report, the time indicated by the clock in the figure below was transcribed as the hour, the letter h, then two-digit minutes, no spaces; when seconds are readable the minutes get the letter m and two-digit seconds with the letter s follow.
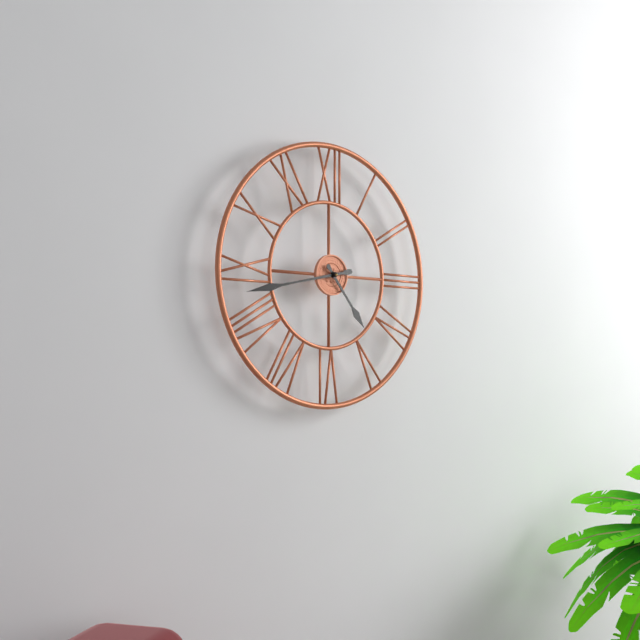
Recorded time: 4h43
